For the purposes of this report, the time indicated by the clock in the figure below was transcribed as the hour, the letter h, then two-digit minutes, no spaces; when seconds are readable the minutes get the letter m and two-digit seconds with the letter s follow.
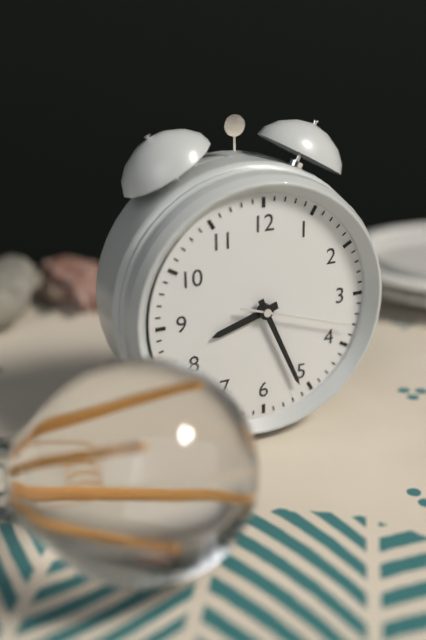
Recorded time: 8h26m18s
